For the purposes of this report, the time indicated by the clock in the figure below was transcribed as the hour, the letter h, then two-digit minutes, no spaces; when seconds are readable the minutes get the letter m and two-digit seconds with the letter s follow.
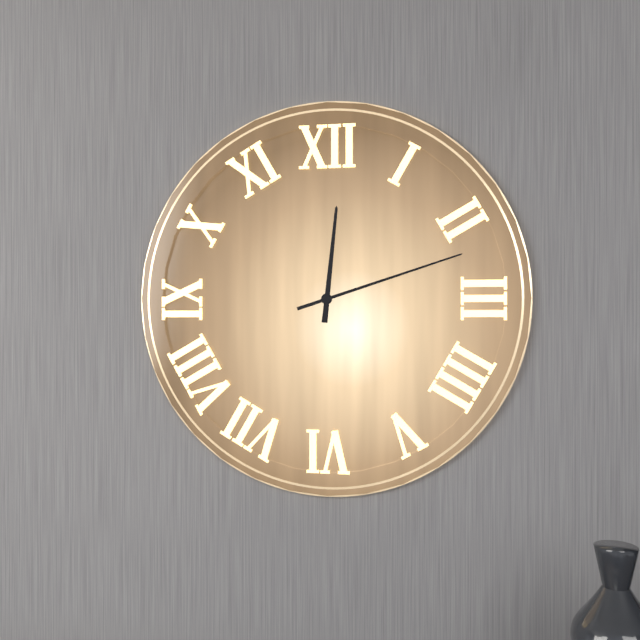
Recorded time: 12h12
